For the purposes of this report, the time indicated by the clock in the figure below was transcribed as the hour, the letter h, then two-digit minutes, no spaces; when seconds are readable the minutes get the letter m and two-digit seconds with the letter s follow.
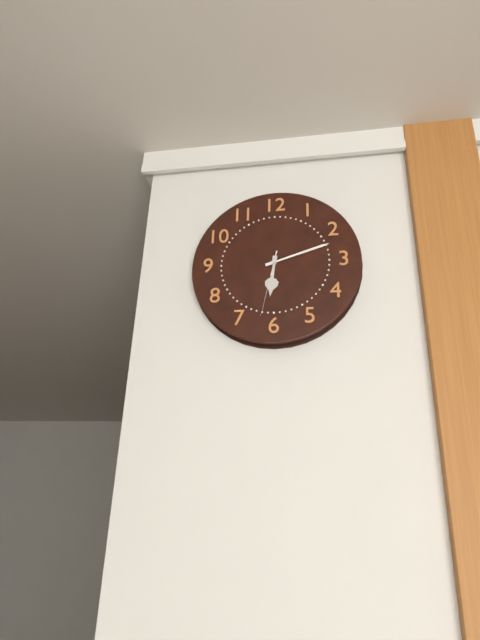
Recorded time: 6h12m32s
